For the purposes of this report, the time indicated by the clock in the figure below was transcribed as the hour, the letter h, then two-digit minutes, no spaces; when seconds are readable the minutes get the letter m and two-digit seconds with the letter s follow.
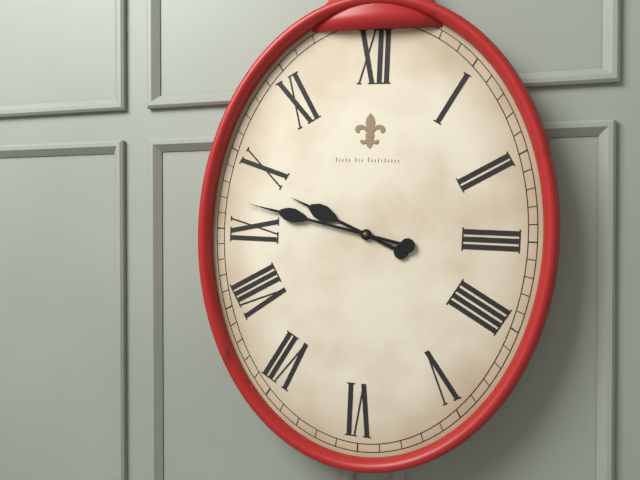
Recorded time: 9h47
